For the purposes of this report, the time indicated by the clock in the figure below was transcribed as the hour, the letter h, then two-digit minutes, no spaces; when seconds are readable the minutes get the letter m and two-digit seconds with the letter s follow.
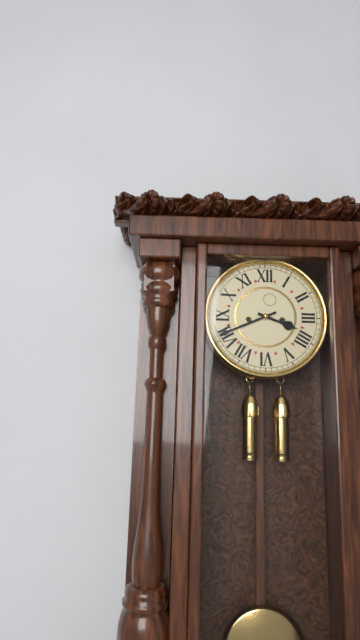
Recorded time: 3h41
